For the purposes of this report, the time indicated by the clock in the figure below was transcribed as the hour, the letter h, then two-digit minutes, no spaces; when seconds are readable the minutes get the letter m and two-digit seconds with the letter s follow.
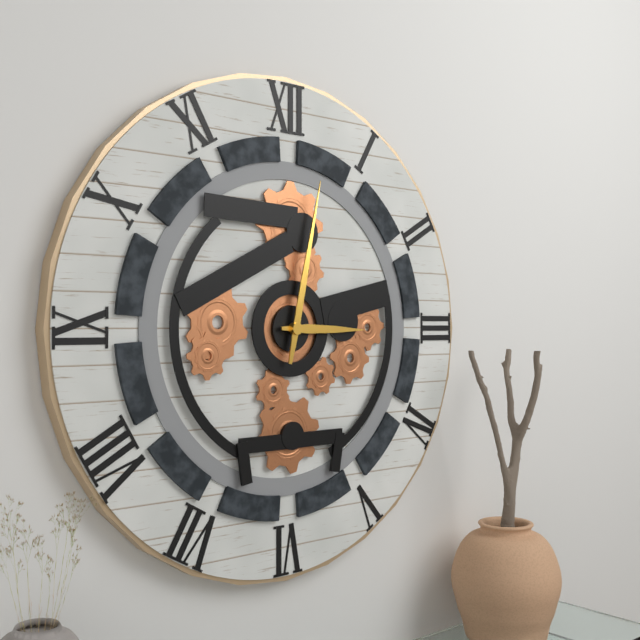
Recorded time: 3h02
